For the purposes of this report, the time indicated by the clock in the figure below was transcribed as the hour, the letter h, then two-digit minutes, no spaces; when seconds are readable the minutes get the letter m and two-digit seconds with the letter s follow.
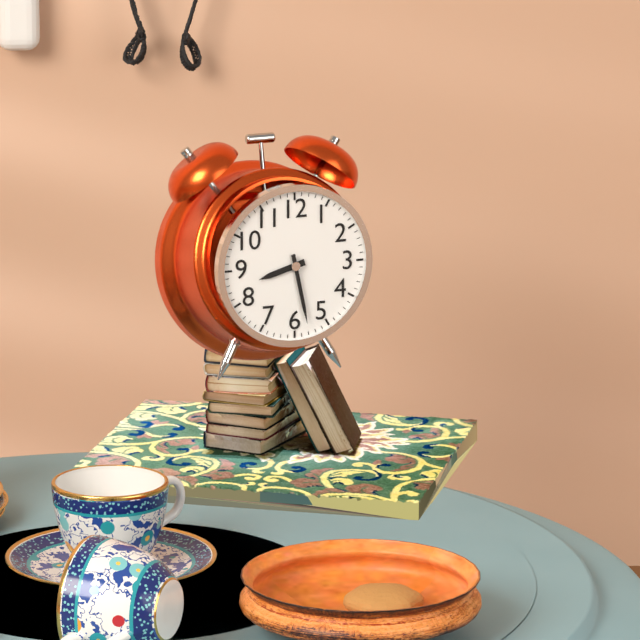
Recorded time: 8h28
